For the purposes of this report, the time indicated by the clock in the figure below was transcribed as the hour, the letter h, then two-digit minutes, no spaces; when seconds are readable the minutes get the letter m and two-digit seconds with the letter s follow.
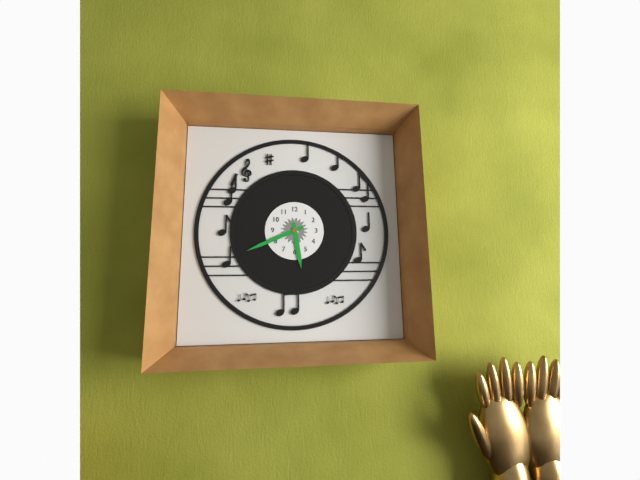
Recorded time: 5h41
